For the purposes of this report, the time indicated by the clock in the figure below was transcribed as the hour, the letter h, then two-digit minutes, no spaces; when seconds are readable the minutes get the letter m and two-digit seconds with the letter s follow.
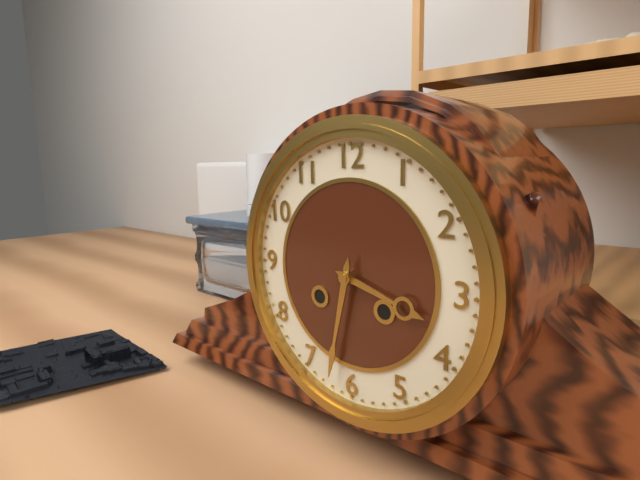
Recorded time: 3h32
